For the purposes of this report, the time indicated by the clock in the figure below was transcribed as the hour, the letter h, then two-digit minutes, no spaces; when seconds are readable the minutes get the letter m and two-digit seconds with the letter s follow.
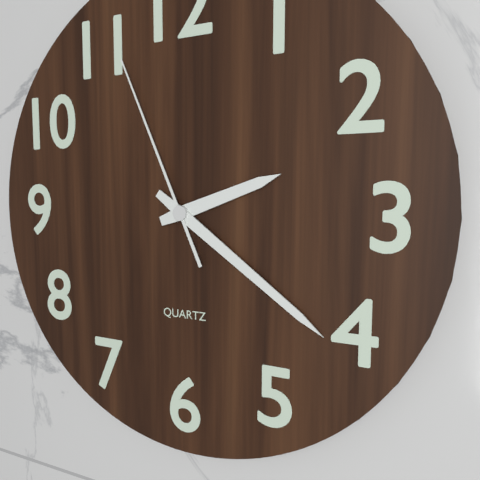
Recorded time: 2h21m56s
